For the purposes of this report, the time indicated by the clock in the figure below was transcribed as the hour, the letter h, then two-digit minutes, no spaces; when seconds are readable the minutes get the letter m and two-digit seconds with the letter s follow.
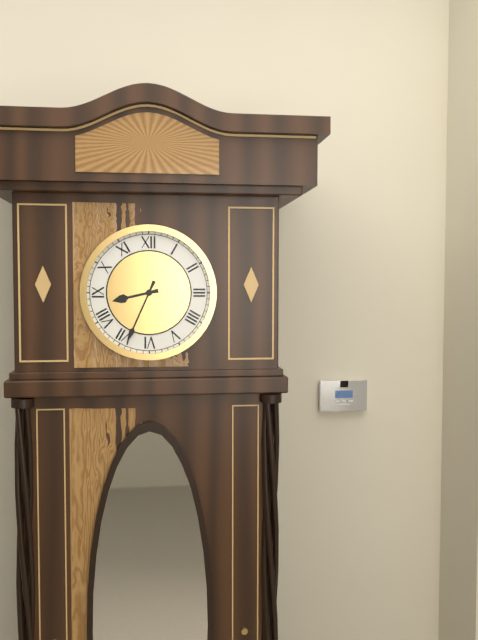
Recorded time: 8h34
